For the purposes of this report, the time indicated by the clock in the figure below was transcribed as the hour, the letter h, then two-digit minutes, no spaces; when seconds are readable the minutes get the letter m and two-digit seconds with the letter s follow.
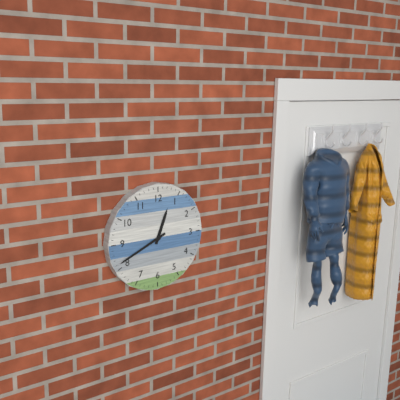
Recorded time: 12h41
